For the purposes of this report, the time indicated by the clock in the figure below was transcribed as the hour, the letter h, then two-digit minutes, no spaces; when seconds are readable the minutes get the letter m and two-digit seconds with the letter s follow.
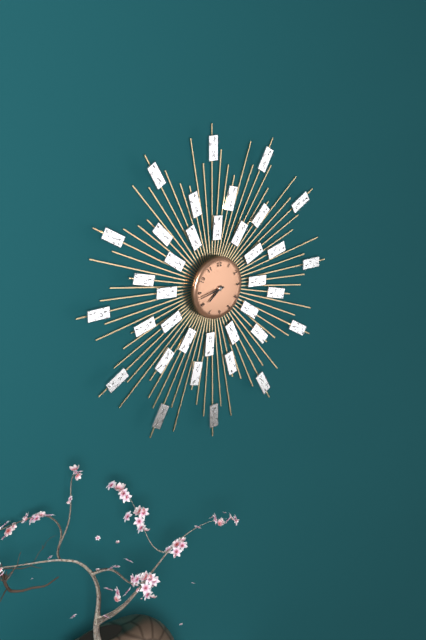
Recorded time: 7h43
